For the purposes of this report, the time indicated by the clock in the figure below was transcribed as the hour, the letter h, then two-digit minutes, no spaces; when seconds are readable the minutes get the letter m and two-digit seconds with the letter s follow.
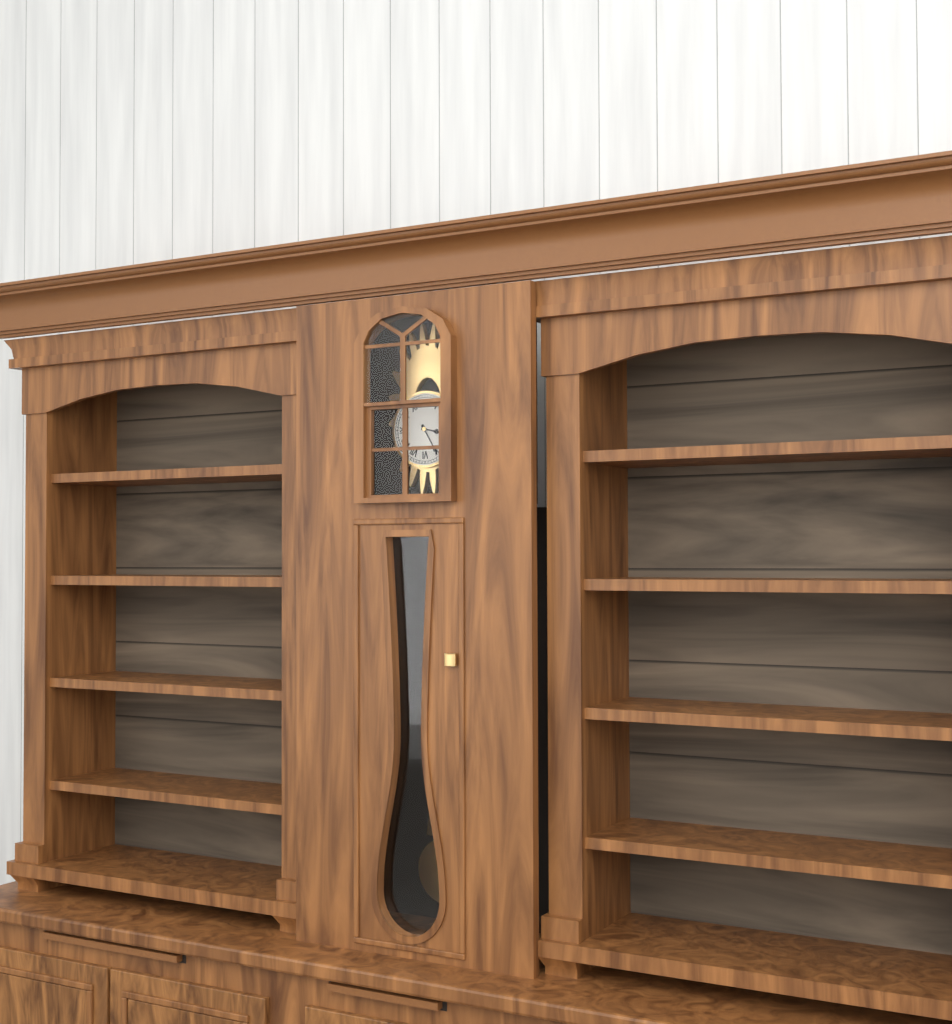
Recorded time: 3h25
